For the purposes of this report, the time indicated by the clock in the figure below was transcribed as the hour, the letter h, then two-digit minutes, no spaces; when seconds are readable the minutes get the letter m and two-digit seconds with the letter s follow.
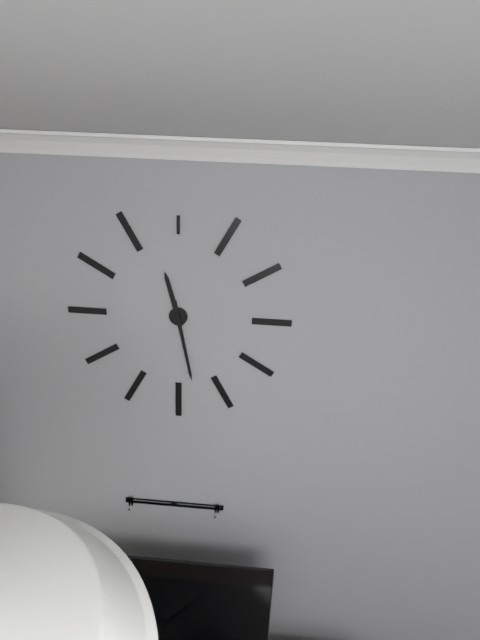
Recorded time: 11h28
